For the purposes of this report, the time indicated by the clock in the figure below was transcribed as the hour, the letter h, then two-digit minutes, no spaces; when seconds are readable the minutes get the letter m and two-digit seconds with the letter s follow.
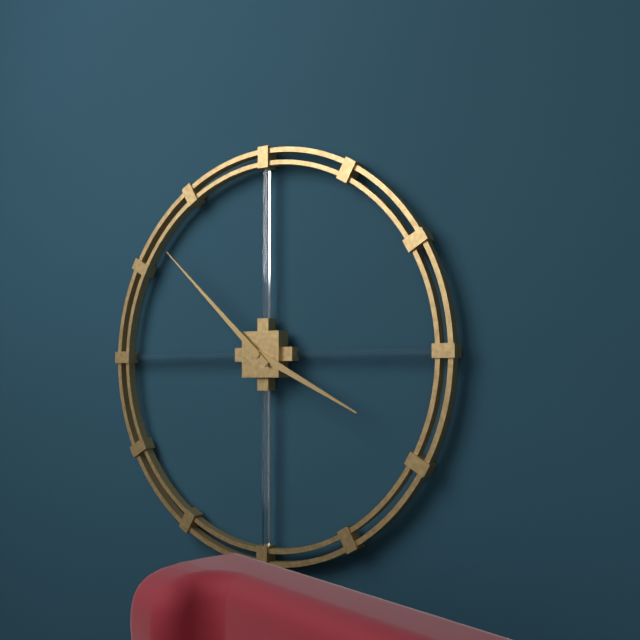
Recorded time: 3h52
